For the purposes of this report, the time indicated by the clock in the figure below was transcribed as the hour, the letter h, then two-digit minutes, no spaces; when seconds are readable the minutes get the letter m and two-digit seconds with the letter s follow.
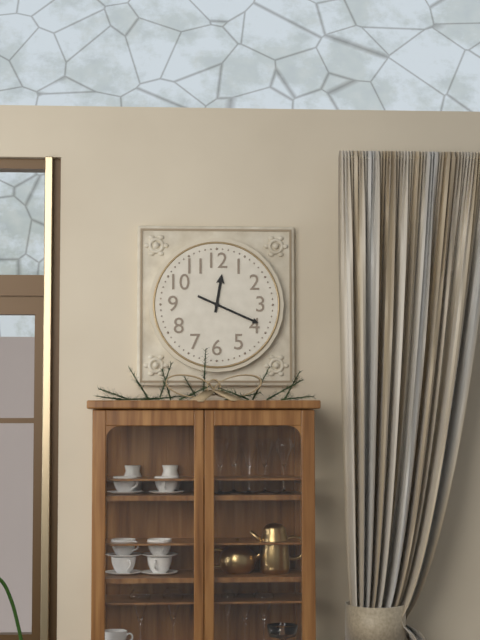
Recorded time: 12h19
